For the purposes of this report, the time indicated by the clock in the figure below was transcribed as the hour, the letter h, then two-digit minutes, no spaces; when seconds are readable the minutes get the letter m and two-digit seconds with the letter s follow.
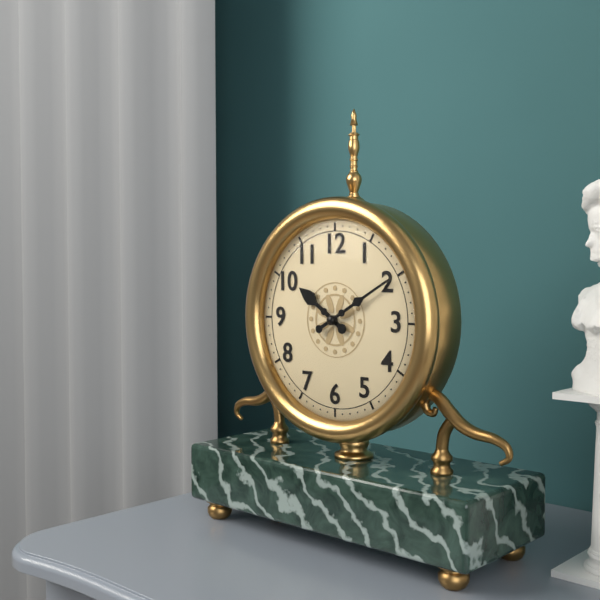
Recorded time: 10h10
